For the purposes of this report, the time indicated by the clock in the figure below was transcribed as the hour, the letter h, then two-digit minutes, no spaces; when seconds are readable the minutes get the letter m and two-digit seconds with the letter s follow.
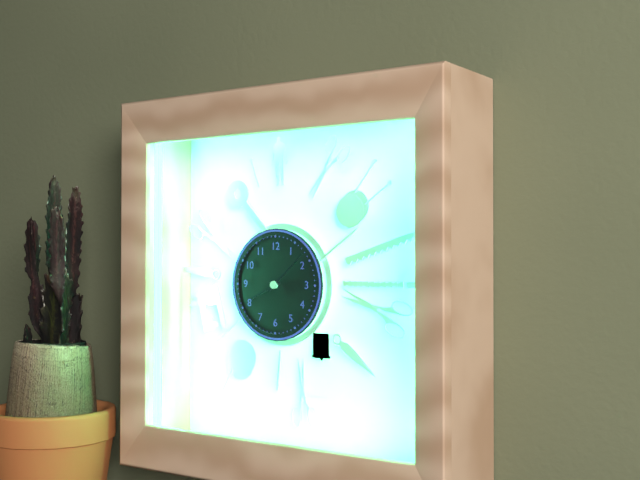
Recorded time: 8h08
